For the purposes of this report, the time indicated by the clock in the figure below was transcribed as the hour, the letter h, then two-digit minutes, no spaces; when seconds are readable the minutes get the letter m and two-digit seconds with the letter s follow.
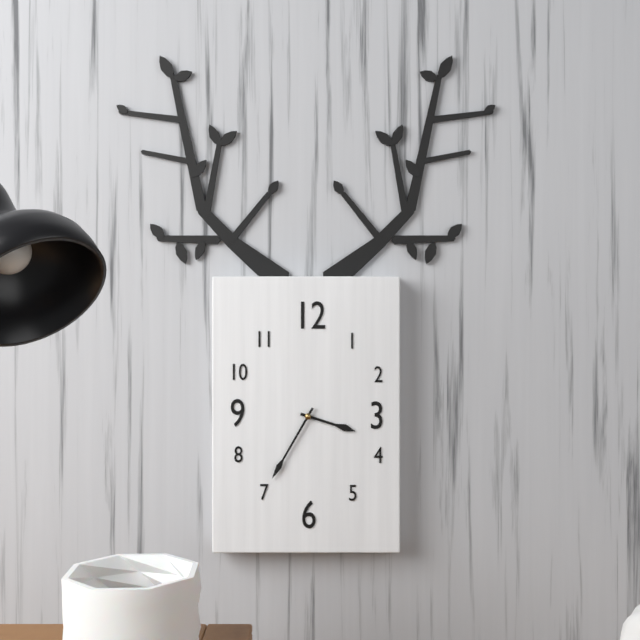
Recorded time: 3h35
